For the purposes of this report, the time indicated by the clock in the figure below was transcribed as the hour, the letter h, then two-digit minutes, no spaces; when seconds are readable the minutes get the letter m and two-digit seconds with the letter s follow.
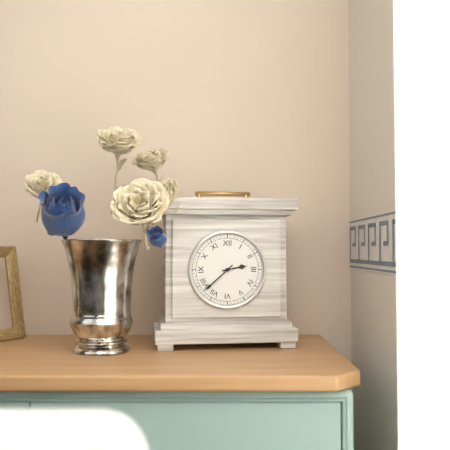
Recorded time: 2h38
